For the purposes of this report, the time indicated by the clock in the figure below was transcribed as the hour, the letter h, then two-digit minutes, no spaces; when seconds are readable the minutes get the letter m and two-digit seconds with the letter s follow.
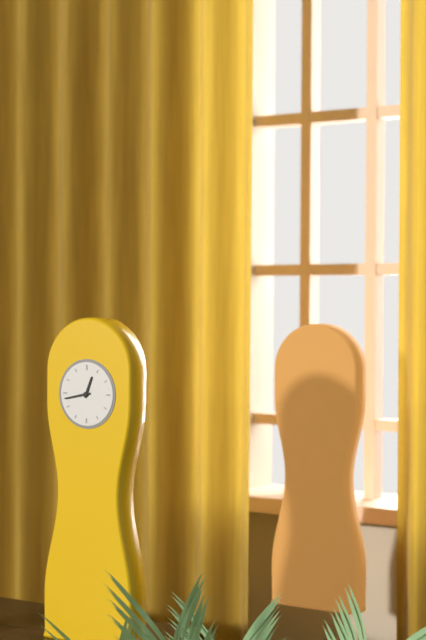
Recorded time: 12h43
